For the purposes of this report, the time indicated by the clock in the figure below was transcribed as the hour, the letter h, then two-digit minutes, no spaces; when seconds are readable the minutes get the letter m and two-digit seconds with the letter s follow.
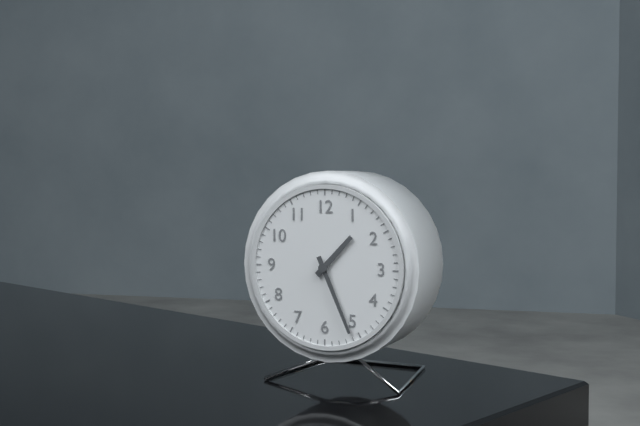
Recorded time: 1h26
